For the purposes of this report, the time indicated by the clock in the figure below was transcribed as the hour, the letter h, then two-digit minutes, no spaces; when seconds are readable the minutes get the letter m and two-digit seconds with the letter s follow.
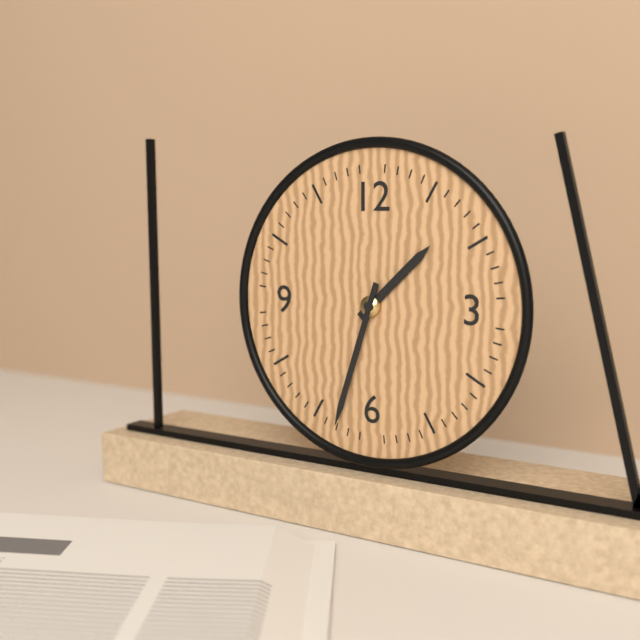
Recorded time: 1h33
